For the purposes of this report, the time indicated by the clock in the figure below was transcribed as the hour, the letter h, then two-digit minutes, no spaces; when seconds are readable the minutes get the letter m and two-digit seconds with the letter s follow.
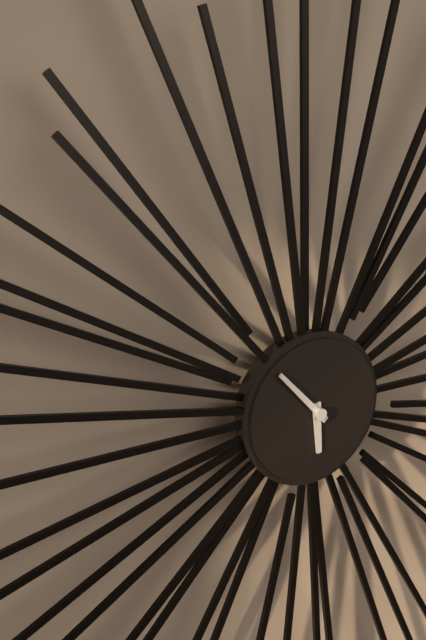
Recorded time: 5h53
